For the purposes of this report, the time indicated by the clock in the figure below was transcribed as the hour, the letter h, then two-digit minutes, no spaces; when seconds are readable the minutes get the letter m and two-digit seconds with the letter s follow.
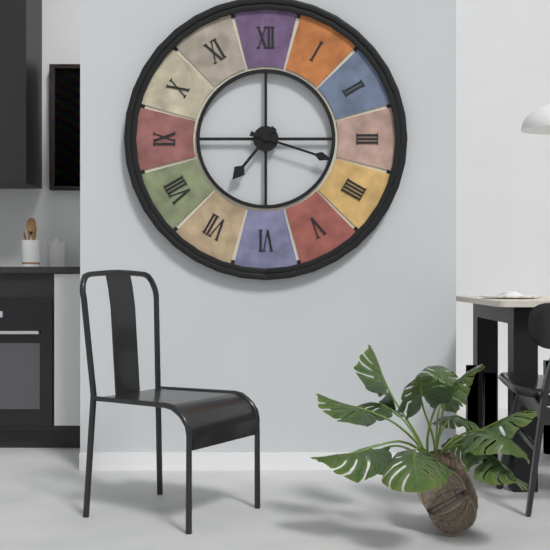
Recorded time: 7h18
